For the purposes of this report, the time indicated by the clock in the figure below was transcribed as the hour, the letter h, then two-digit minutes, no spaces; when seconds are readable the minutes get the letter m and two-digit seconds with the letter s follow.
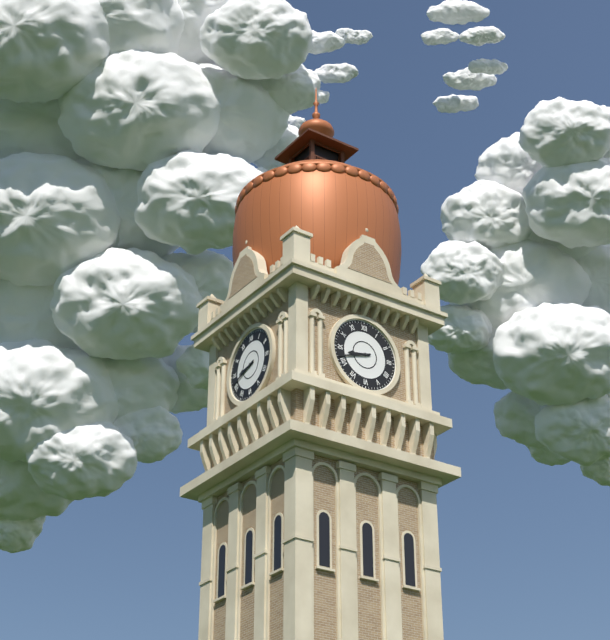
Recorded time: 8h42
